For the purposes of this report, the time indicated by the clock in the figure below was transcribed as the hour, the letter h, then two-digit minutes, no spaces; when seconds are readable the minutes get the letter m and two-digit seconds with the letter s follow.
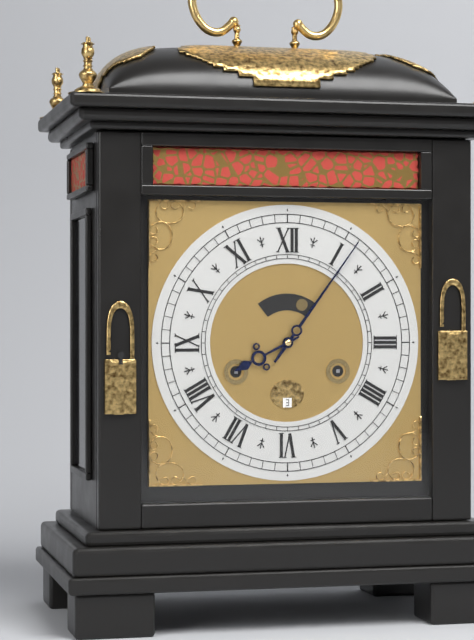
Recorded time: 8h06
